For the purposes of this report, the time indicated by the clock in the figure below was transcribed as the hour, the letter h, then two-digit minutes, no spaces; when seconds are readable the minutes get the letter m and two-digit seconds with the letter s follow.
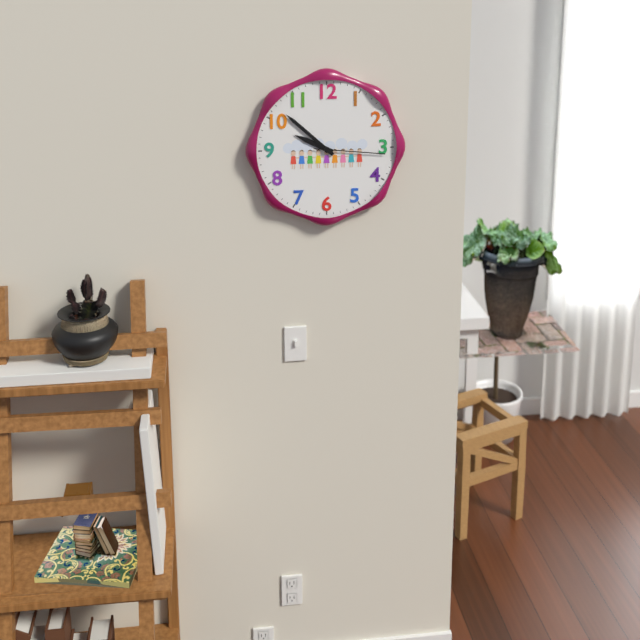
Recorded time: 9h52m16s
